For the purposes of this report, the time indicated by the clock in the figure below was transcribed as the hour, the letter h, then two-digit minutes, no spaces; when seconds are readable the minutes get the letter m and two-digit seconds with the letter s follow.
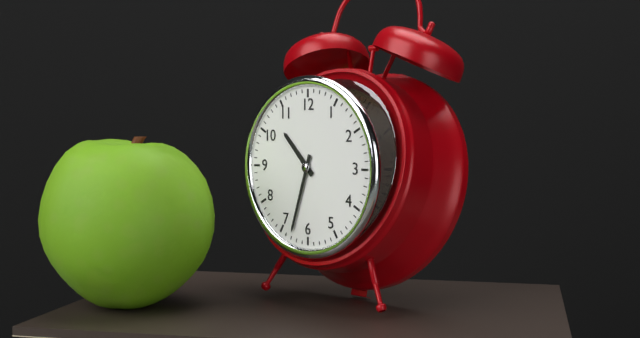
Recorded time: 10h33
